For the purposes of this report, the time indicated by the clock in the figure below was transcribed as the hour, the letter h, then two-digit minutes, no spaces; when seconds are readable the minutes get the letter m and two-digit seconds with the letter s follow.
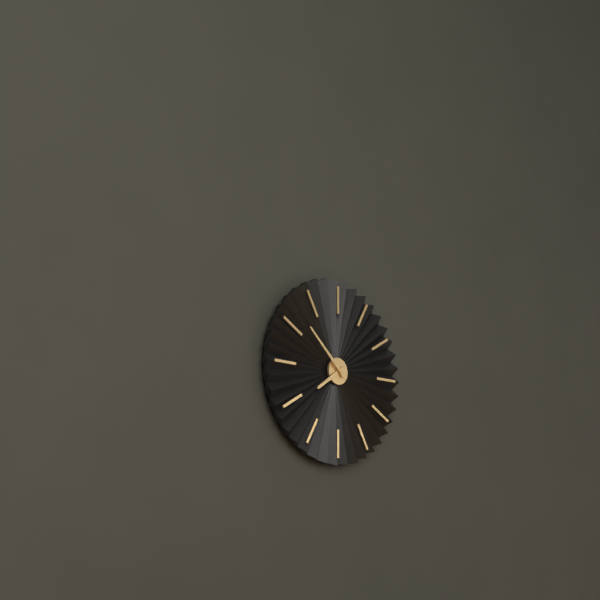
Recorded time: 7h52
